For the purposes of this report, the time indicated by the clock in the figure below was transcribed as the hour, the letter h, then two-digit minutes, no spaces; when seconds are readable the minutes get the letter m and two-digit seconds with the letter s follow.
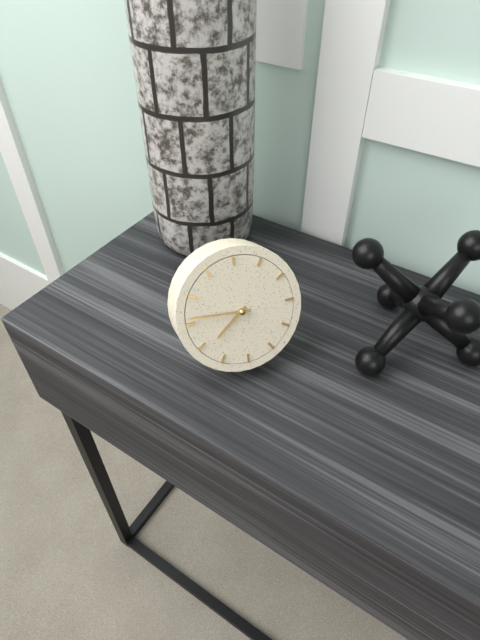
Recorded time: 7h46
